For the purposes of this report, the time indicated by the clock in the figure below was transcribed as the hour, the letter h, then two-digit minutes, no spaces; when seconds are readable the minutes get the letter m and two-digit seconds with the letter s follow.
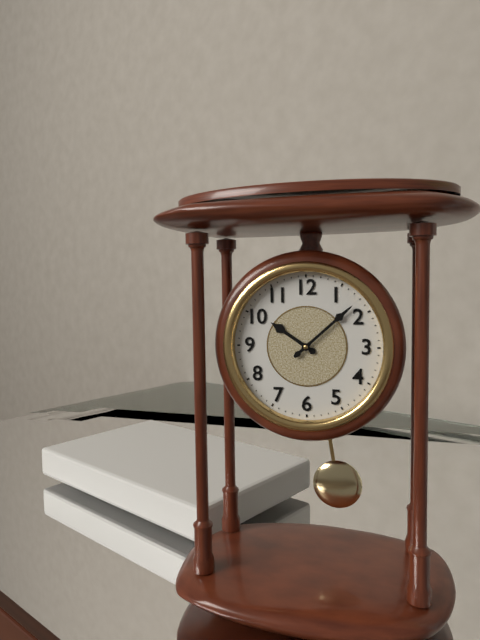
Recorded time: 10h08
